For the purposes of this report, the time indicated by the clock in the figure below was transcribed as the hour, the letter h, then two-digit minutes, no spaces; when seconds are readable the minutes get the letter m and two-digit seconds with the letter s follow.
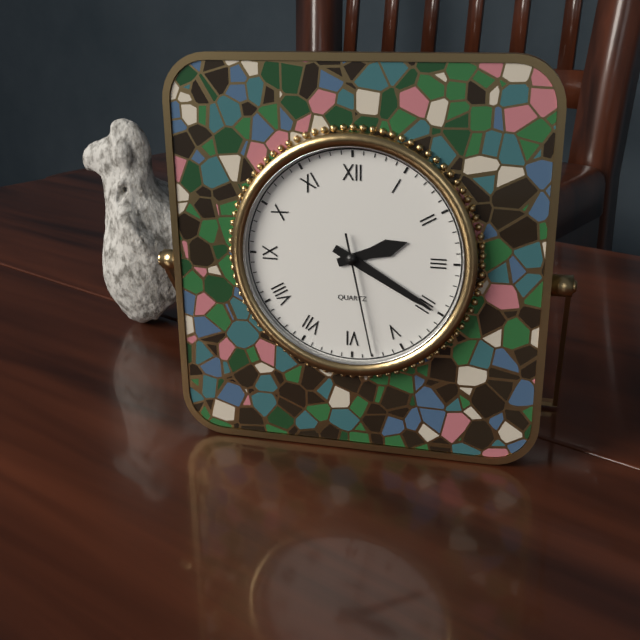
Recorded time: 2h20m28s
